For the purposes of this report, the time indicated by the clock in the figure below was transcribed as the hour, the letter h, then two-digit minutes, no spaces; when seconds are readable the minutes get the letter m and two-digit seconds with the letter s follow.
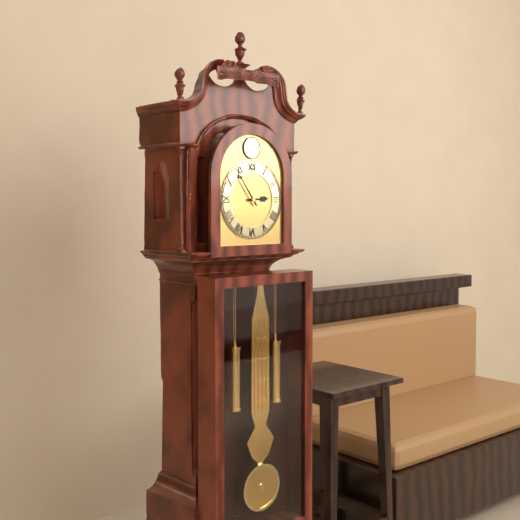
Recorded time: 2h54
